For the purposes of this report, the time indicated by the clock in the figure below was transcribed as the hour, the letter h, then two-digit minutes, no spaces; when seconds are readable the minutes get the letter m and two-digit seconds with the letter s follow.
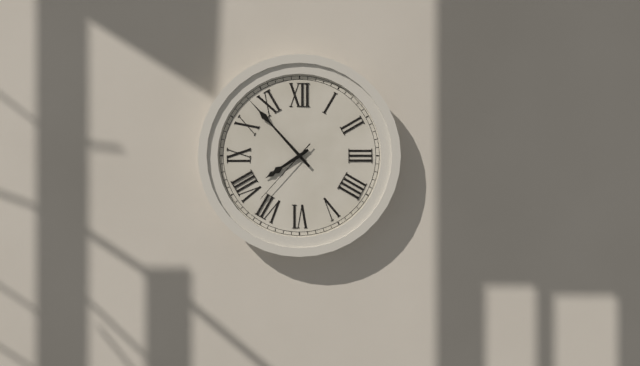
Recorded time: 7h53m37s
